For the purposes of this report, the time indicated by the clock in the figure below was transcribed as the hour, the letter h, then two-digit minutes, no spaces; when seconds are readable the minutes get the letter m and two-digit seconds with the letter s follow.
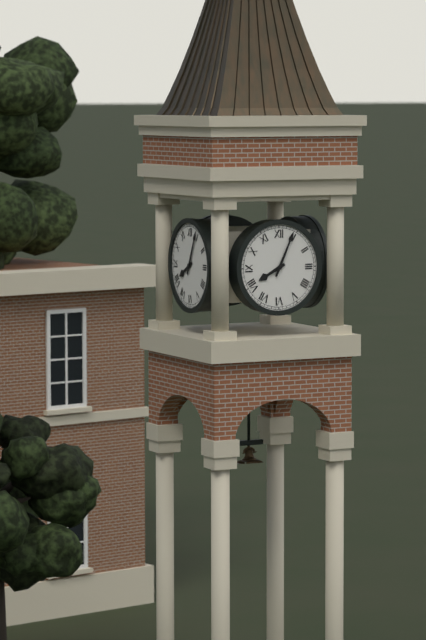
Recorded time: 8h04
